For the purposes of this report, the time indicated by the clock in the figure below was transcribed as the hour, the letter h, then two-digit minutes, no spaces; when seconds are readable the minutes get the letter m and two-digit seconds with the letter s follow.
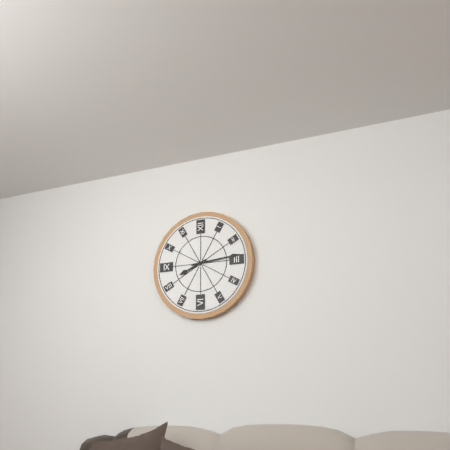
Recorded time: 8h14
